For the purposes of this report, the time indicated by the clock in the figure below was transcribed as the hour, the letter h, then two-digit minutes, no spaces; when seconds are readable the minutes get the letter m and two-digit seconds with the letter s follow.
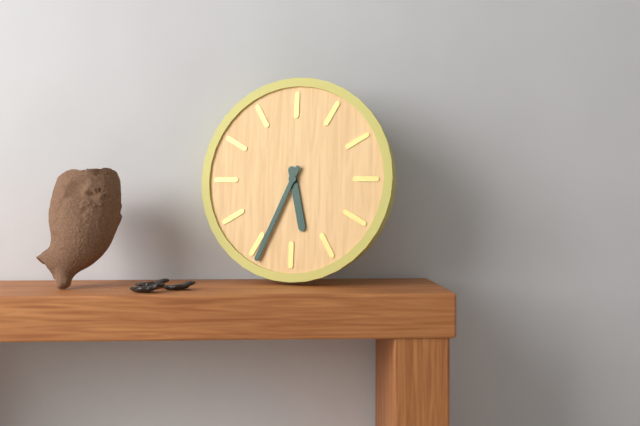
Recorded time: 5h34
